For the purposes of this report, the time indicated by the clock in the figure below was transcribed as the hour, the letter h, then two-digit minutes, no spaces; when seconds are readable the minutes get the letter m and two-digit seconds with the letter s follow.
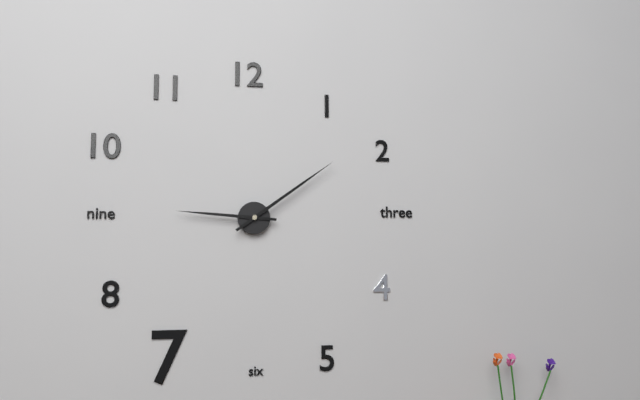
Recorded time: 9h09
